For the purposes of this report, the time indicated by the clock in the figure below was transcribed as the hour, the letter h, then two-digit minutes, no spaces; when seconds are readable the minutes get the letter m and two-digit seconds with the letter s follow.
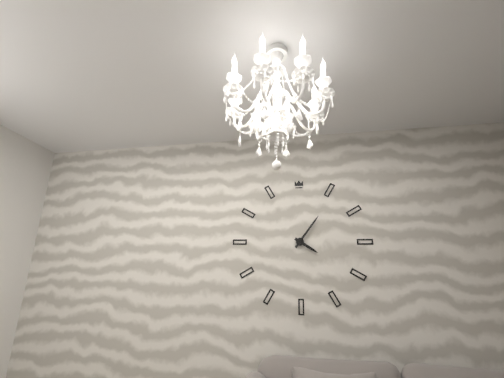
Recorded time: 4h06
